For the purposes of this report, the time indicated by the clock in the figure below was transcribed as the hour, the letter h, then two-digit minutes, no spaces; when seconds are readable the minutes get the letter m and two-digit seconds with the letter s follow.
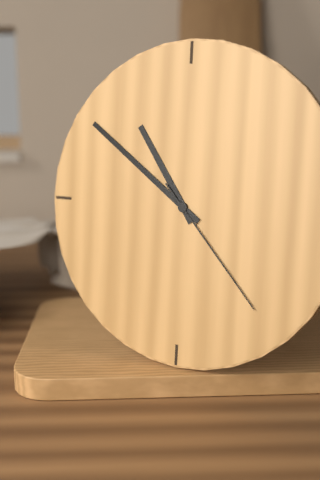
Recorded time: 10h51m23s
